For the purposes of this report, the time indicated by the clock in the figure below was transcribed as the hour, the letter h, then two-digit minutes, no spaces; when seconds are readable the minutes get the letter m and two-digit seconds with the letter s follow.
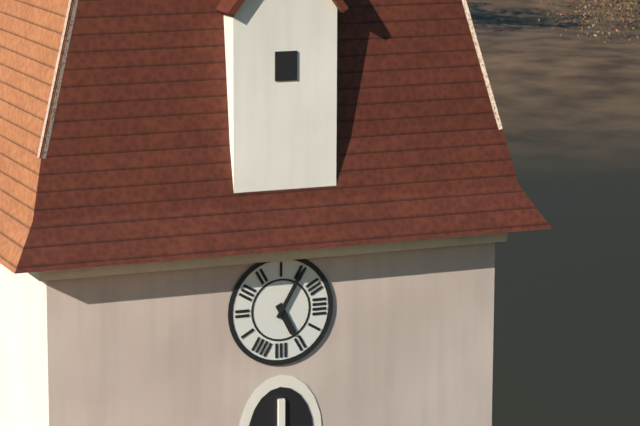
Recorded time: 5h05
